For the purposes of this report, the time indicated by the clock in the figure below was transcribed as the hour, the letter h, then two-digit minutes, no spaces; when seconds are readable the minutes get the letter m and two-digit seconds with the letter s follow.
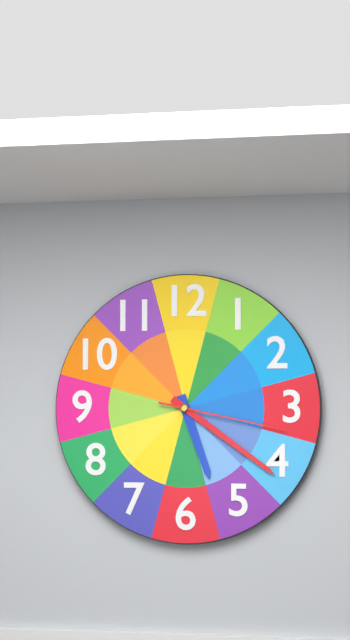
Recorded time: 5h21m17s
